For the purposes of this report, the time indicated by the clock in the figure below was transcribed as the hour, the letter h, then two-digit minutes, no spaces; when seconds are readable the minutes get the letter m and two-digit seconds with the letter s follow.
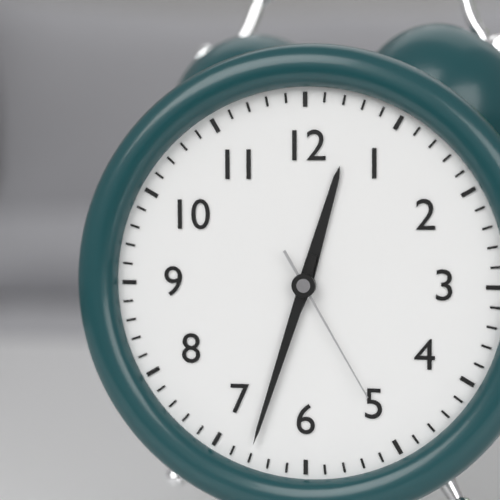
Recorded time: 12h33m25s
